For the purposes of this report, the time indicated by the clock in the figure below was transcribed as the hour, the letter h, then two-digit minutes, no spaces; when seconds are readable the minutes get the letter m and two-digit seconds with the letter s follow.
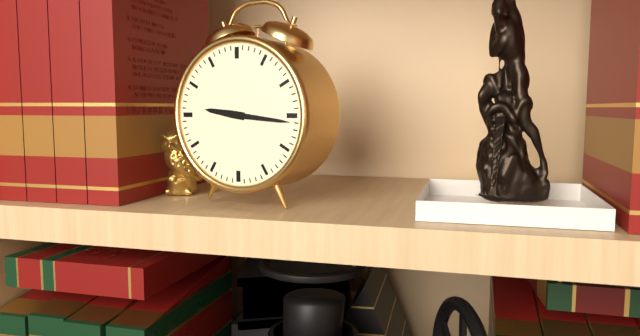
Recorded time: 9h16
